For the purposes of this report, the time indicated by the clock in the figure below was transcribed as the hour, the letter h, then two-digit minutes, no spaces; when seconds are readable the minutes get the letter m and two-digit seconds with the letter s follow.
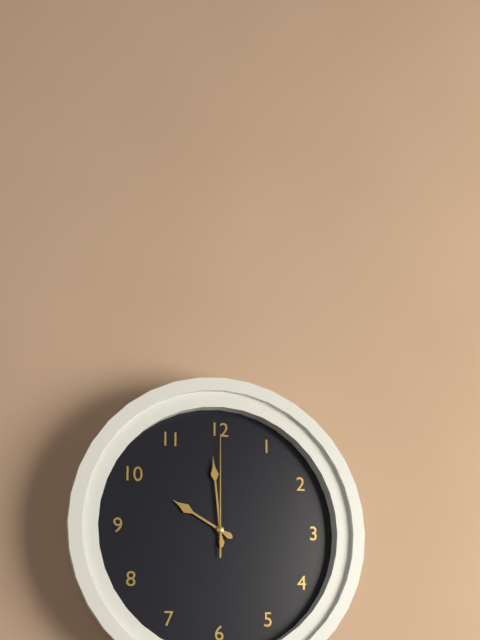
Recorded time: 9h59m00s
